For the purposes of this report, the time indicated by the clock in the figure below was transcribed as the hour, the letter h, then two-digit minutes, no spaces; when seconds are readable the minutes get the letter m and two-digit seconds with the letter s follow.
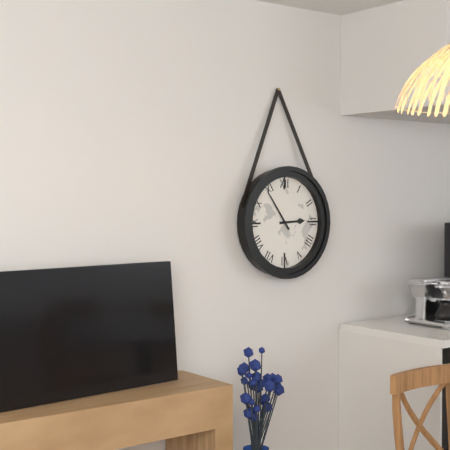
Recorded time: 2h54
